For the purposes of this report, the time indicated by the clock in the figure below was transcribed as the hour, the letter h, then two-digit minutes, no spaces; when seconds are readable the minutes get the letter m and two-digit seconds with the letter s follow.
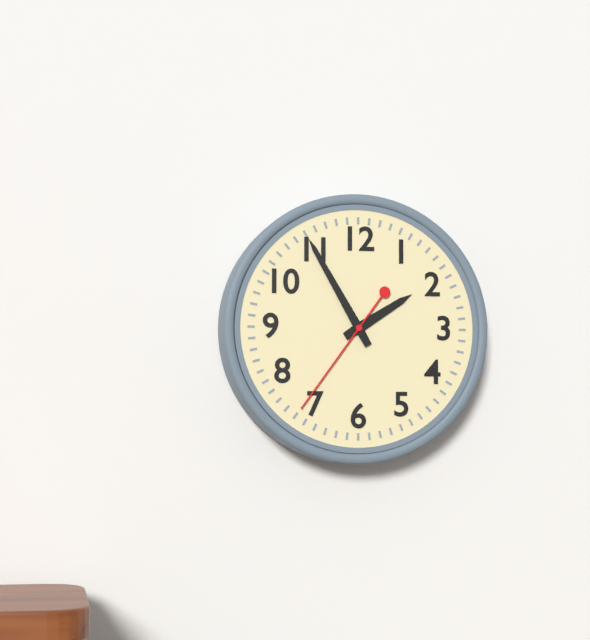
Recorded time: 1h55m36s
